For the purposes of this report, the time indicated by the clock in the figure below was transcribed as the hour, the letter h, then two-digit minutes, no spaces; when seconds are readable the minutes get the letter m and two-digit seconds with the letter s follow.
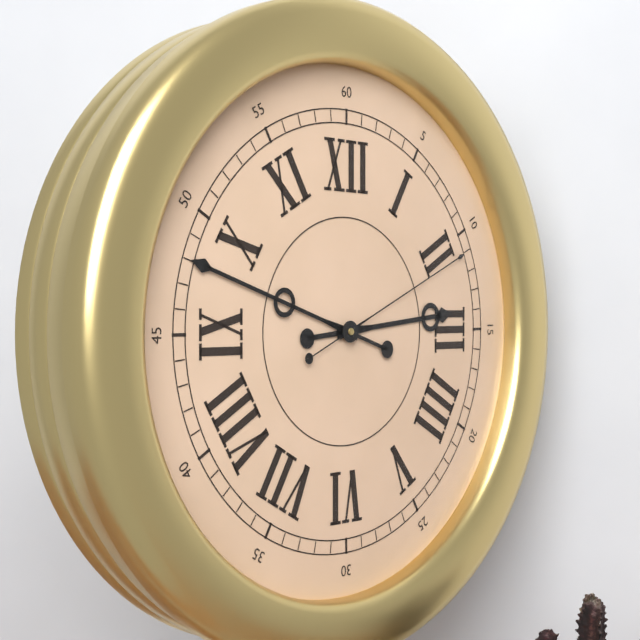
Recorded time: 2h48m11s
